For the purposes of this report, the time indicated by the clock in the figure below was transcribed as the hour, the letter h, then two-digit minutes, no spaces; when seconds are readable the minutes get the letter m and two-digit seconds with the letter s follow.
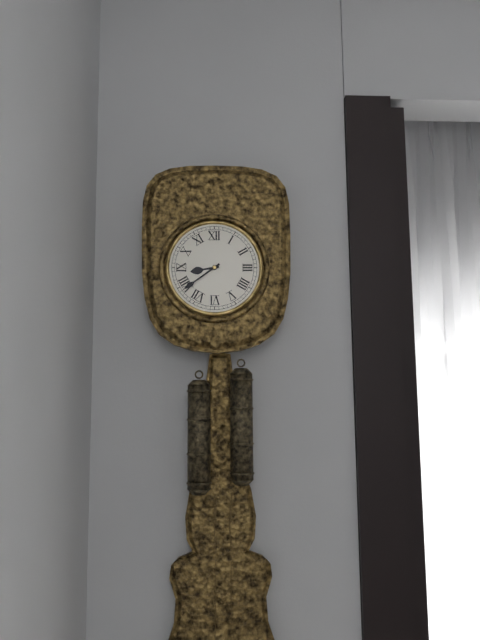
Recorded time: 8h39
